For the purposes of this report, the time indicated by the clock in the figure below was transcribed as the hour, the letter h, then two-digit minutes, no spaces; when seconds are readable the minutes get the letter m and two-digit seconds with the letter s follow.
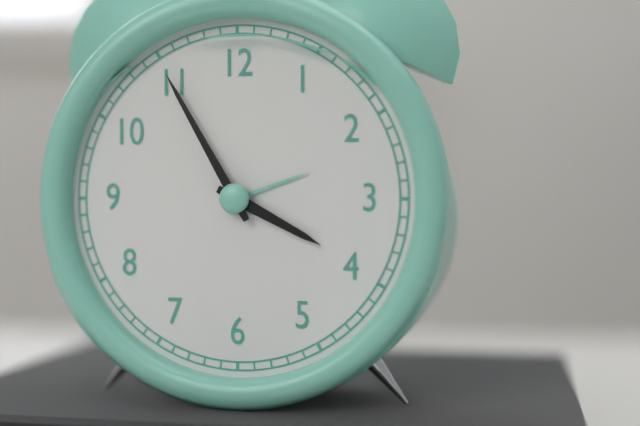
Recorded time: 3h55
